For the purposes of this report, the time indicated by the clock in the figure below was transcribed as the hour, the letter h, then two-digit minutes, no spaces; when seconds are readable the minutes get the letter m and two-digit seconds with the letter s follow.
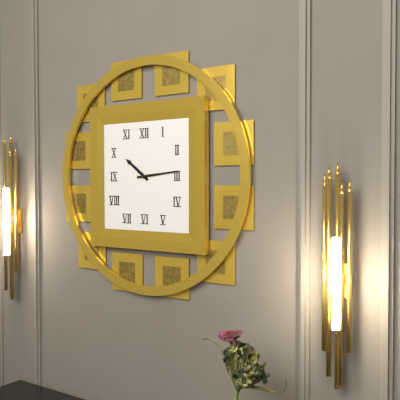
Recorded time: 10h14
